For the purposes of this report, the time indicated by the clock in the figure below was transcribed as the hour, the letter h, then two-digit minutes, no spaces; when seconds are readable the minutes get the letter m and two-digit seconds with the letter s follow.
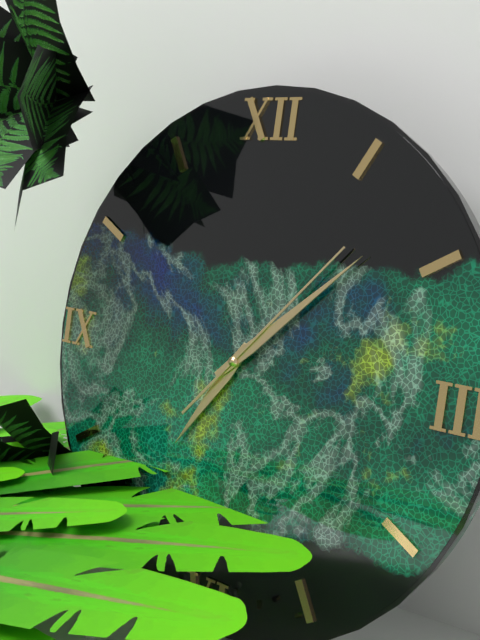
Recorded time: 7h08m07s
